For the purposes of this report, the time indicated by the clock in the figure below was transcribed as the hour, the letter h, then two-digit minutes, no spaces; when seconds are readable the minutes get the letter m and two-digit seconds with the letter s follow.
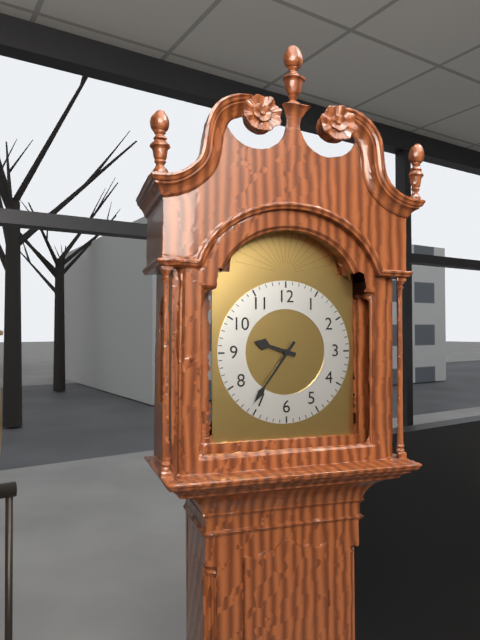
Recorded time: 9h36
